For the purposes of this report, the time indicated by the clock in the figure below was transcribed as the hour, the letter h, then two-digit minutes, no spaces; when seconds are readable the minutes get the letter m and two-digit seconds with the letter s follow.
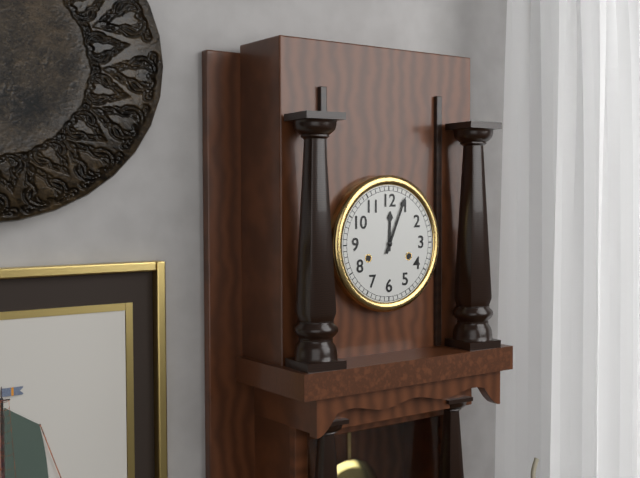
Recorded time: 12h04
